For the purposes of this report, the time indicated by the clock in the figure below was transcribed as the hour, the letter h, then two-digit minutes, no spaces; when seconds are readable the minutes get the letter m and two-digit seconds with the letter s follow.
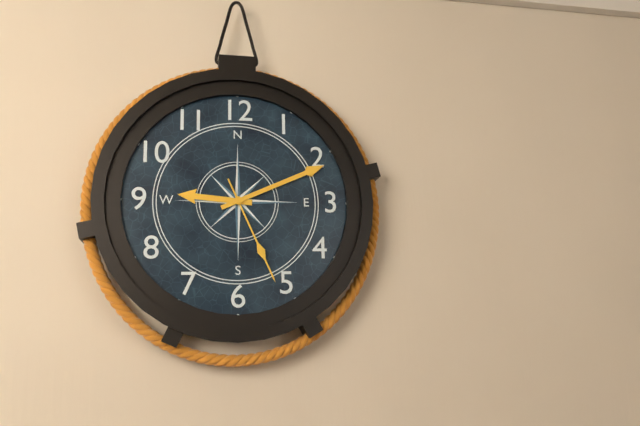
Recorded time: 9h11m26s
